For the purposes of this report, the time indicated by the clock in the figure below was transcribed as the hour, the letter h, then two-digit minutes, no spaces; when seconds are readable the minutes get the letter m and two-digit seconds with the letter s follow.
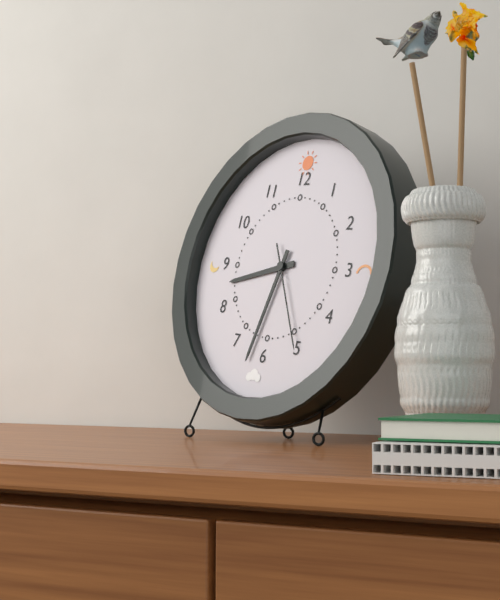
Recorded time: 8h32m25s
